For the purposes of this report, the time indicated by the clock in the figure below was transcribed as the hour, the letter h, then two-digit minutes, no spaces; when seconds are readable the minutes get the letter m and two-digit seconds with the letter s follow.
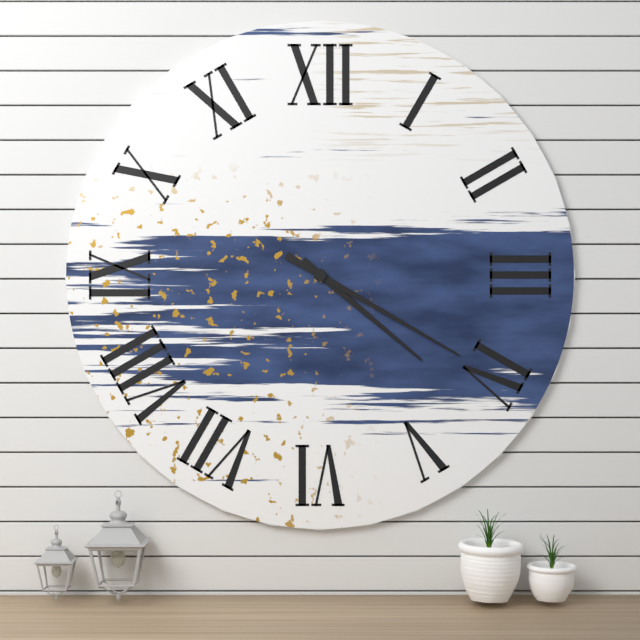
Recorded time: 4h20
